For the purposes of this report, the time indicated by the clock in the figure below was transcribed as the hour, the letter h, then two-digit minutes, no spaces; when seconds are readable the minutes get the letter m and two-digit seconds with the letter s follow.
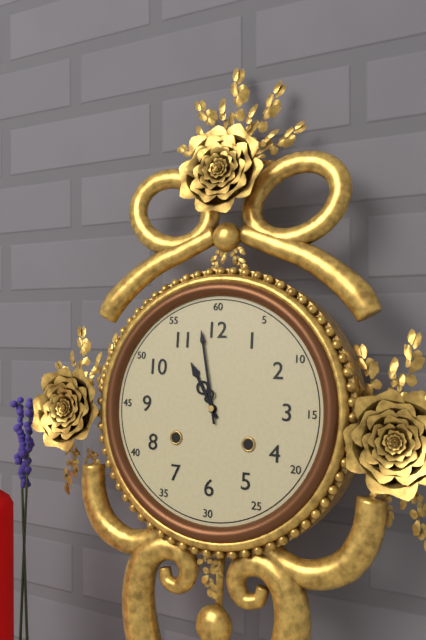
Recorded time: 10h58
